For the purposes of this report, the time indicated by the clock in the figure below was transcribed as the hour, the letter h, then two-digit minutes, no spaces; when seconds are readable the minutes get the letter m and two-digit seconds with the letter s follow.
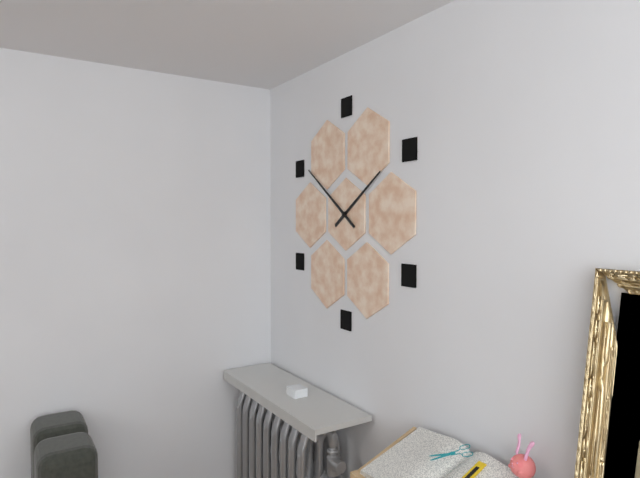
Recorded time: 1h51
